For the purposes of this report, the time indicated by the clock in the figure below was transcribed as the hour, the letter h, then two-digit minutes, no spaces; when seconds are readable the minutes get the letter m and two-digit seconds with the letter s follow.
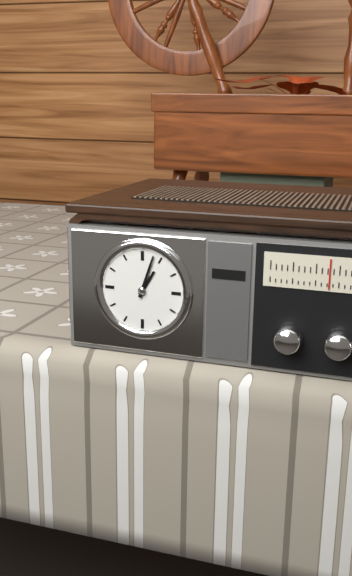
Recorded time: 1h03
